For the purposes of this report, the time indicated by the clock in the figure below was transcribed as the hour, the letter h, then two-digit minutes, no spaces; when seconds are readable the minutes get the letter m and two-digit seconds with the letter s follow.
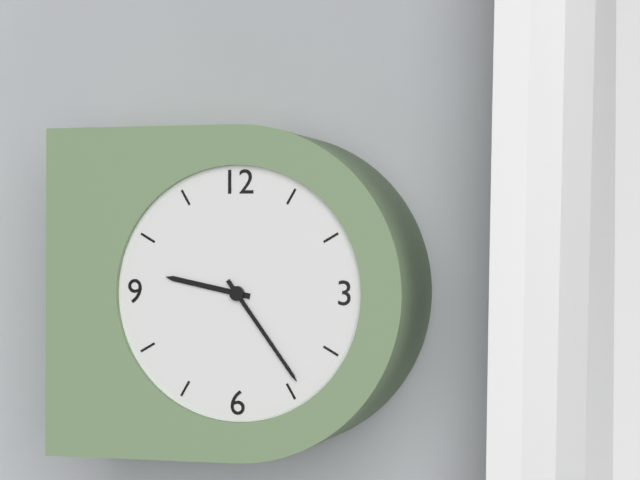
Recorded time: 9h24
